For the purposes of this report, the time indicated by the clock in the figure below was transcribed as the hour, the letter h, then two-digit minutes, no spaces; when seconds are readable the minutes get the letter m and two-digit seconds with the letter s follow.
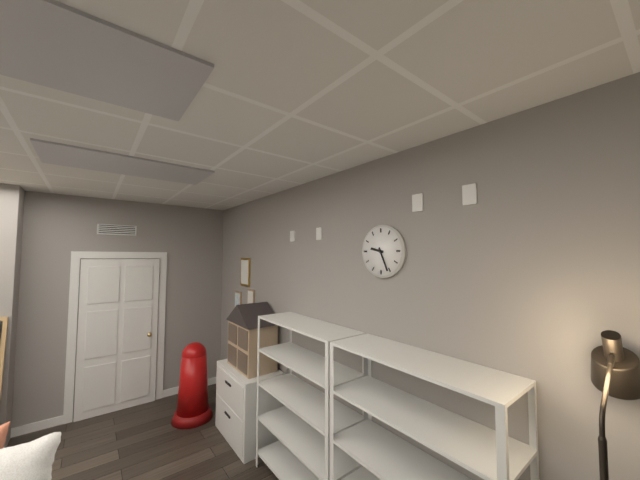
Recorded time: 9h26
